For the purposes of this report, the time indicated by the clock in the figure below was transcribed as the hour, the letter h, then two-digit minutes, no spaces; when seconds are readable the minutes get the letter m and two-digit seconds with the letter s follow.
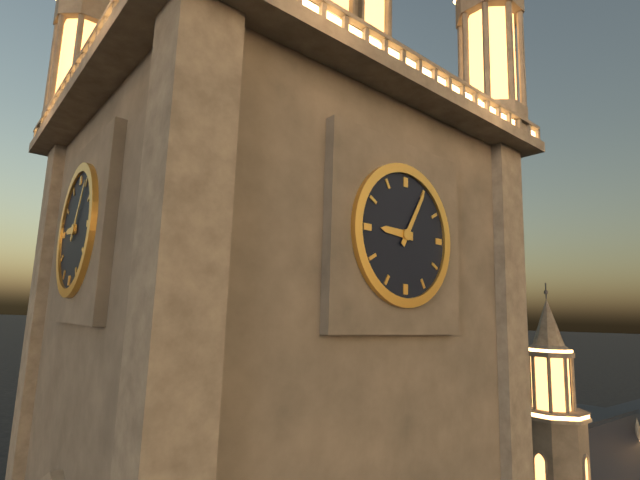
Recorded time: 9h05
